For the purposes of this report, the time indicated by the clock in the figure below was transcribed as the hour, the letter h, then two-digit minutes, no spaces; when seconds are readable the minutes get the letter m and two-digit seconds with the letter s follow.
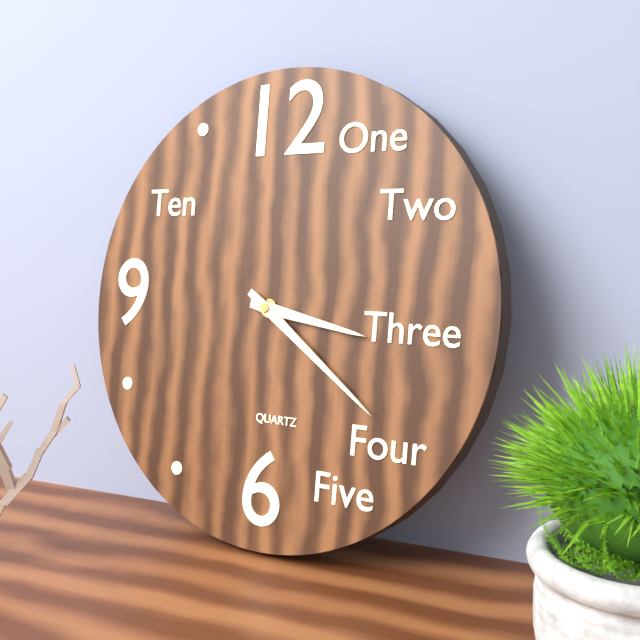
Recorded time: 3h21
